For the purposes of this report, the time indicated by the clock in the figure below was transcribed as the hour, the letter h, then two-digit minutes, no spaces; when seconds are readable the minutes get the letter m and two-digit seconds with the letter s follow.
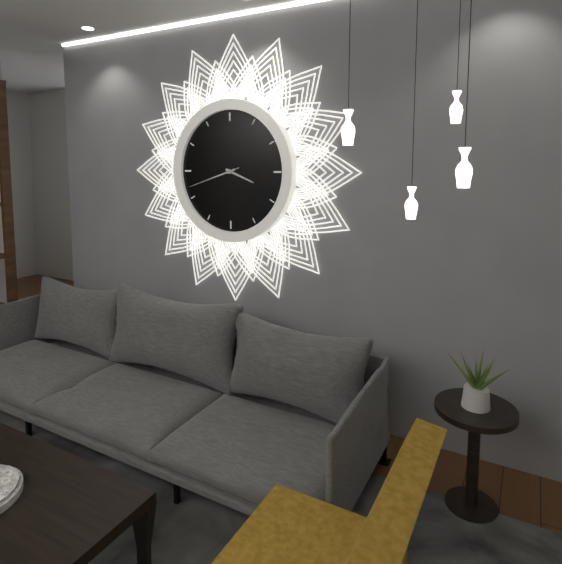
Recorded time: 3h42m42s
